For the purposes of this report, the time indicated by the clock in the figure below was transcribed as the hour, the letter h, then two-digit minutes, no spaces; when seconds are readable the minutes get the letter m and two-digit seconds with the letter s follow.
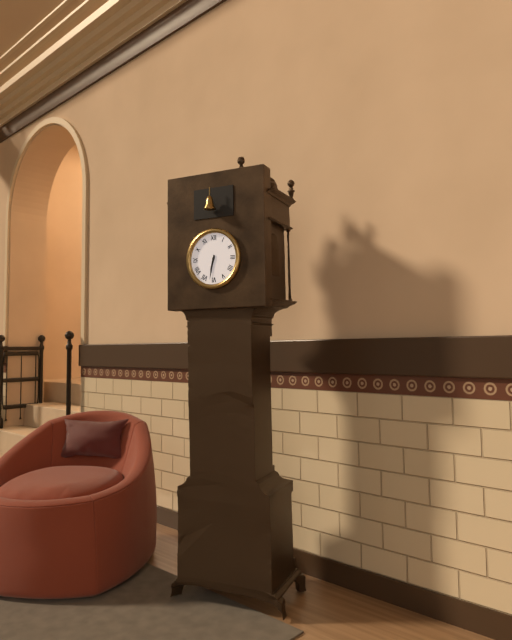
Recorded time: 6h32
